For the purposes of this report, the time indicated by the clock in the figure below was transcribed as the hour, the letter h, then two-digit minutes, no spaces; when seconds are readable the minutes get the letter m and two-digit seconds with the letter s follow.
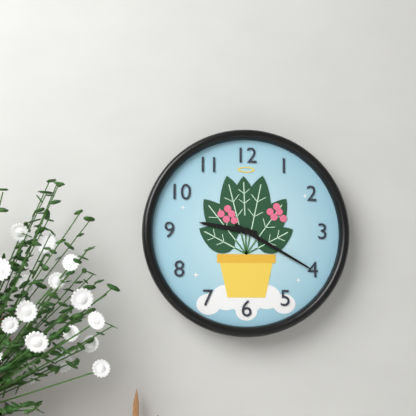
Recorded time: 9h20
